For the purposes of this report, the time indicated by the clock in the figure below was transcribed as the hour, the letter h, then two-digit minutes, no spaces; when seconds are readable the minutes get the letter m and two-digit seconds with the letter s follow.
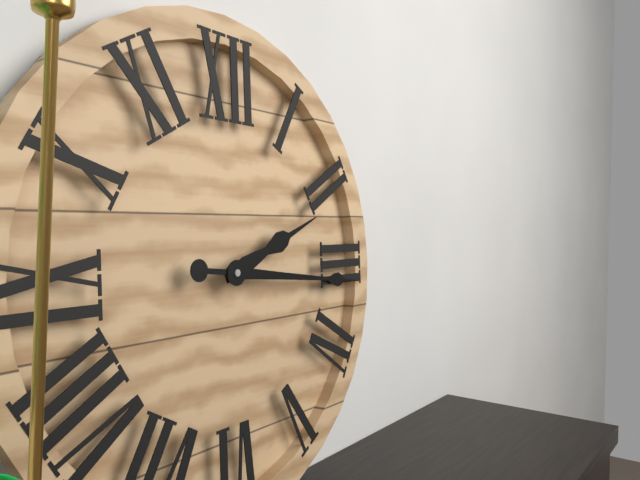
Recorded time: 2h16
